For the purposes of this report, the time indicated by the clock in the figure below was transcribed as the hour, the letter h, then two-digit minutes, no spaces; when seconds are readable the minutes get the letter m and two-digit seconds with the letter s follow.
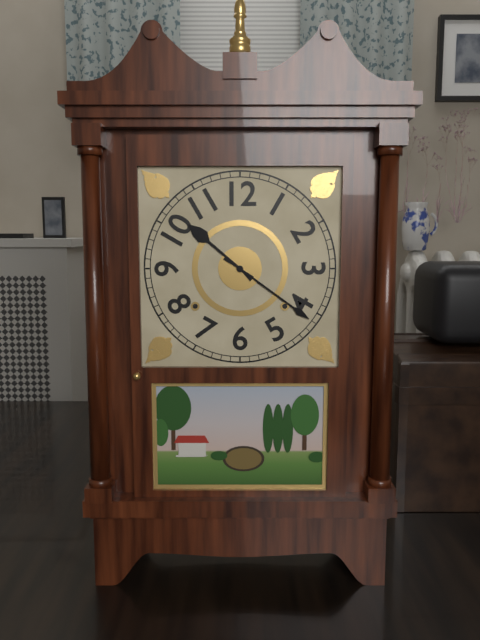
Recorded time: 10h21
